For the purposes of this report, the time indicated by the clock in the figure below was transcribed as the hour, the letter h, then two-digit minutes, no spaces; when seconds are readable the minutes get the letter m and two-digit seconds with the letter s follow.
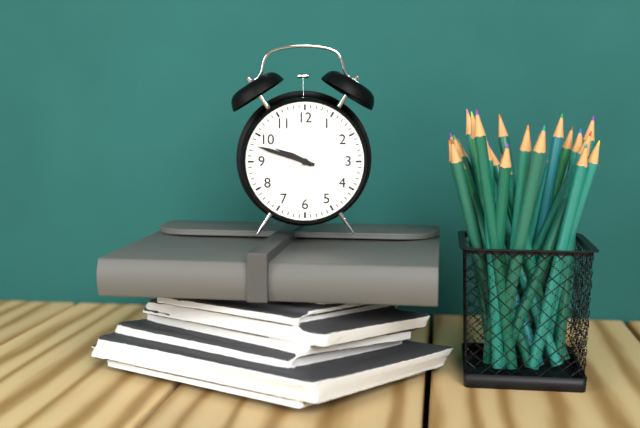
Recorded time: 9h48
